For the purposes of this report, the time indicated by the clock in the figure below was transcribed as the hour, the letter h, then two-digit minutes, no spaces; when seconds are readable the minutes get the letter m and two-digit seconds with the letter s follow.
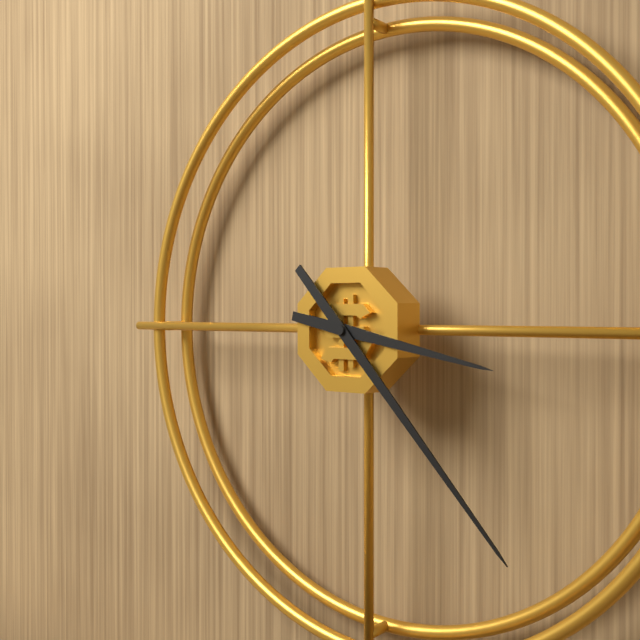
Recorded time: 3h23
